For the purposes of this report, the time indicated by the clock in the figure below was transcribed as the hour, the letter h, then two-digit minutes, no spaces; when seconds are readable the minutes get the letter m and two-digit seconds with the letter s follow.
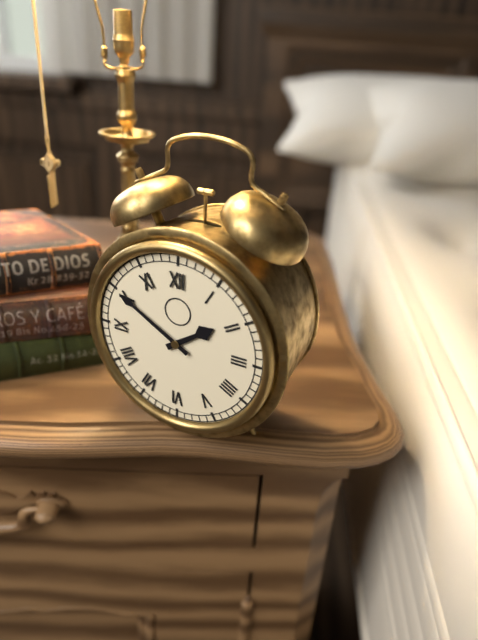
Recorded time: 1h50
